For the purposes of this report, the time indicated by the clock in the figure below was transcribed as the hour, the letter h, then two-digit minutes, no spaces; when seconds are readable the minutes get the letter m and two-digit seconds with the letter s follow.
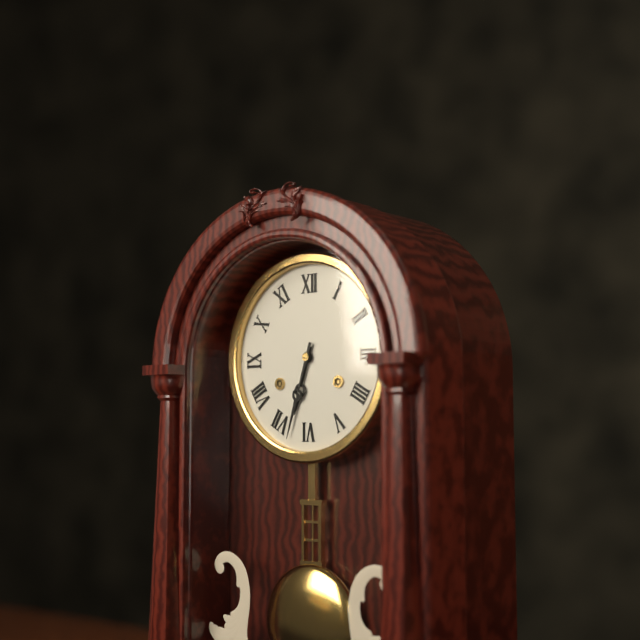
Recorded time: 6h33
